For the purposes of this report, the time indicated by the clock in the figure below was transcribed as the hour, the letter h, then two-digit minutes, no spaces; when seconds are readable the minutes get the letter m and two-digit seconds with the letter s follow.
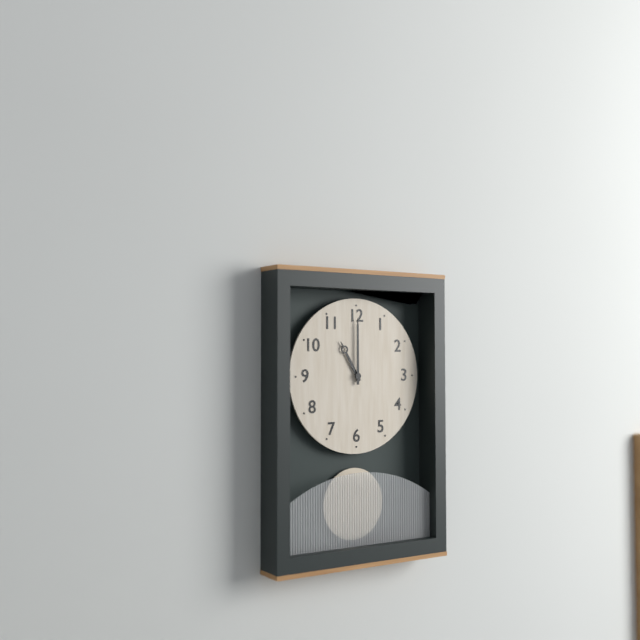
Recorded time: 11h00
